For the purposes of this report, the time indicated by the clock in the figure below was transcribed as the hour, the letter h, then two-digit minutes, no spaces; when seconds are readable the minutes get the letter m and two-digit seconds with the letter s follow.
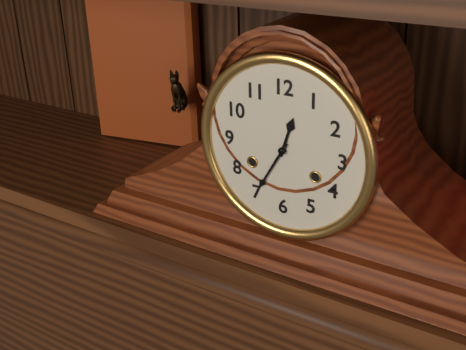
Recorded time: 12h35
